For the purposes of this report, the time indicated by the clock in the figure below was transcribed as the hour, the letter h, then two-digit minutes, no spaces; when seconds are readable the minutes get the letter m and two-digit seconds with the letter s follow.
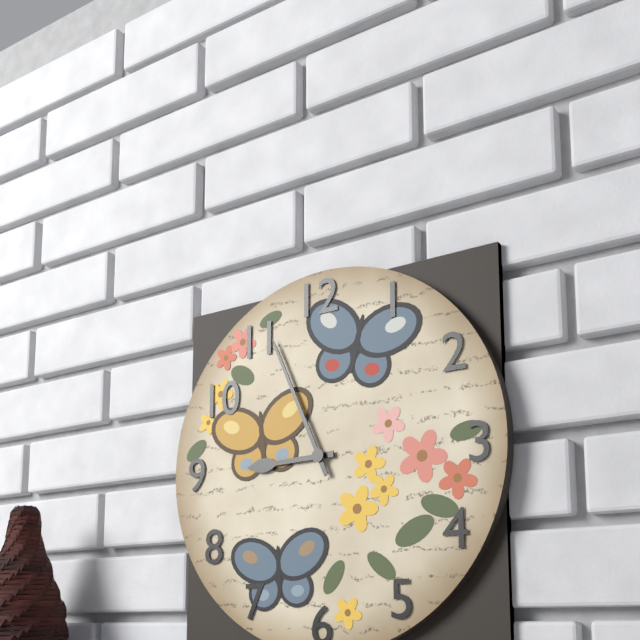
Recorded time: 8h56
